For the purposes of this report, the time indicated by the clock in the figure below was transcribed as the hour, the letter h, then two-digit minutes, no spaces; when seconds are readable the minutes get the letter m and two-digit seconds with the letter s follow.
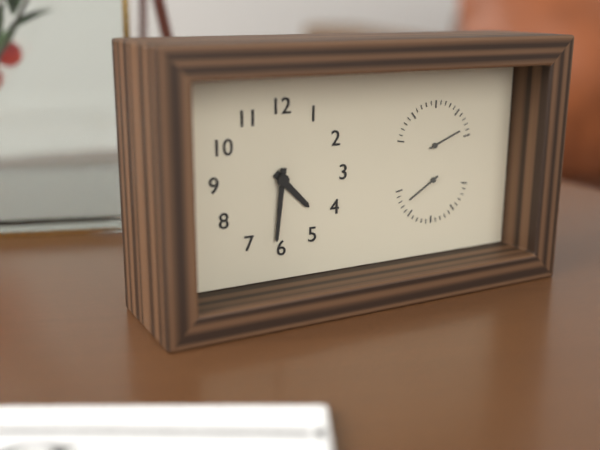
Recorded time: 4h31
